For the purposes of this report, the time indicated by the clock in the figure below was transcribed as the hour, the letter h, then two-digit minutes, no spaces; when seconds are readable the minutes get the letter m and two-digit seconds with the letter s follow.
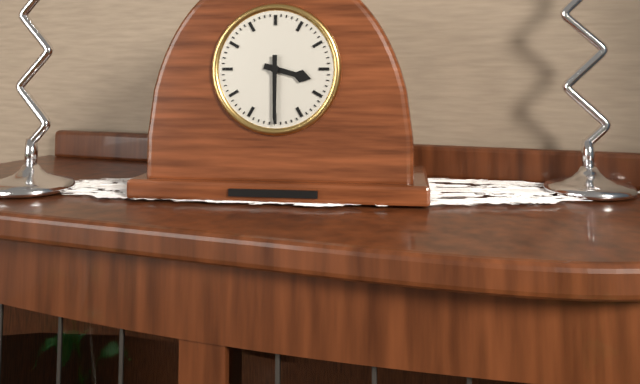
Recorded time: 3h30
